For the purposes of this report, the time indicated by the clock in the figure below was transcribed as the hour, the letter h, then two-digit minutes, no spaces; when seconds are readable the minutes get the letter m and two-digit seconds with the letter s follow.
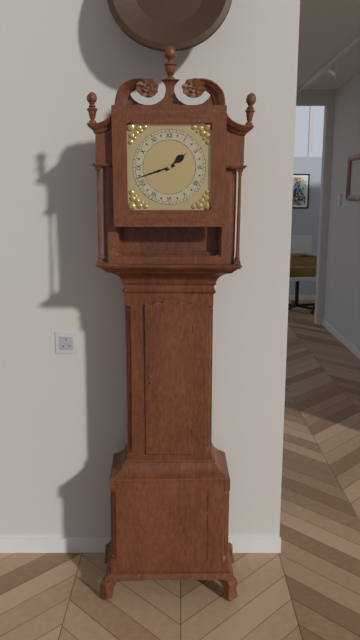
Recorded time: 1h42
